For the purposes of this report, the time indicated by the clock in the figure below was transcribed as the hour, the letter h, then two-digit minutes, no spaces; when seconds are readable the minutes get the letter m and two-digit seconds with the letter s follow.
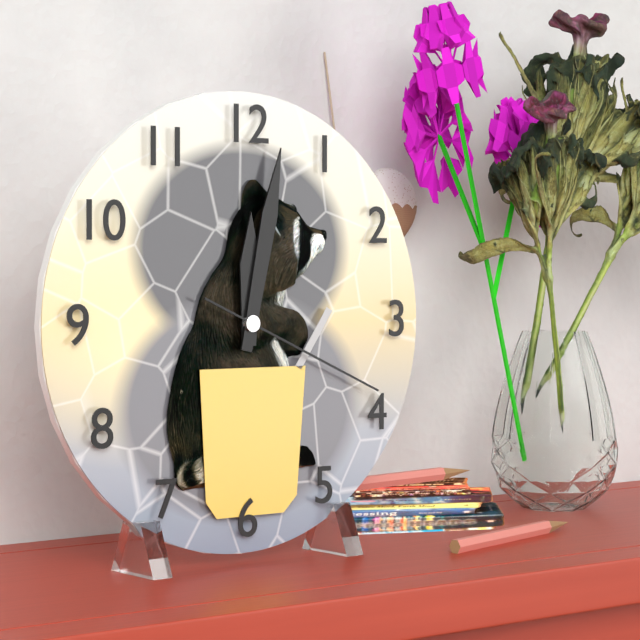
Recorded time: 12h02m19s
